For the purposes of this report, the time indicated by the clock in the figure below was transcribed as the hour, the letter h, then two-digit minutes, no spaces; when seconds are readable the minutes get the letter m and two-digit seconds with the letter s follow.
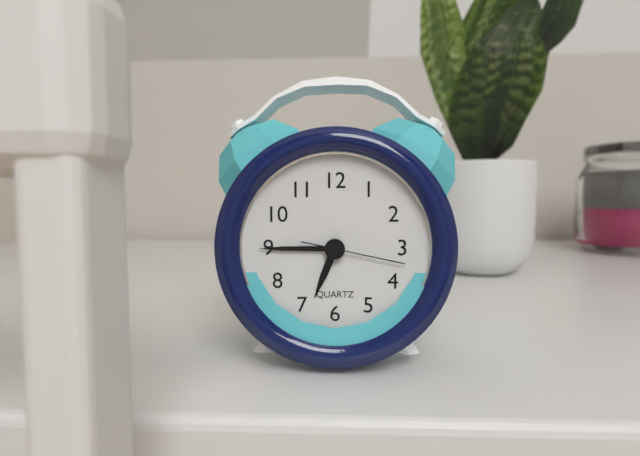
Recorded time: 6h45m17s
